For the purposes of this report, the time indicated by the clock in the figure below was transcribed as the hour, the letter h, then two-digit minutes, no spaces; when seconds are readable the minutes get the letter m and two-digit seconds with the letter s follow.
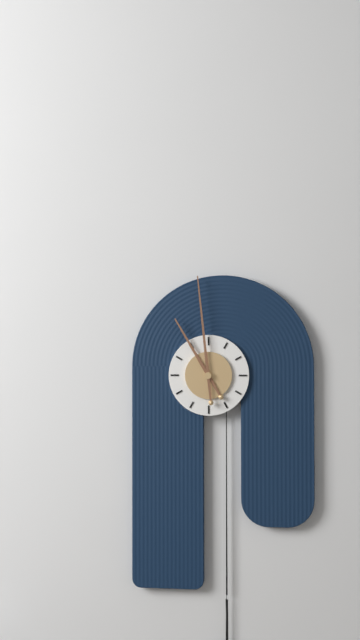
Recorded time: 10h59
